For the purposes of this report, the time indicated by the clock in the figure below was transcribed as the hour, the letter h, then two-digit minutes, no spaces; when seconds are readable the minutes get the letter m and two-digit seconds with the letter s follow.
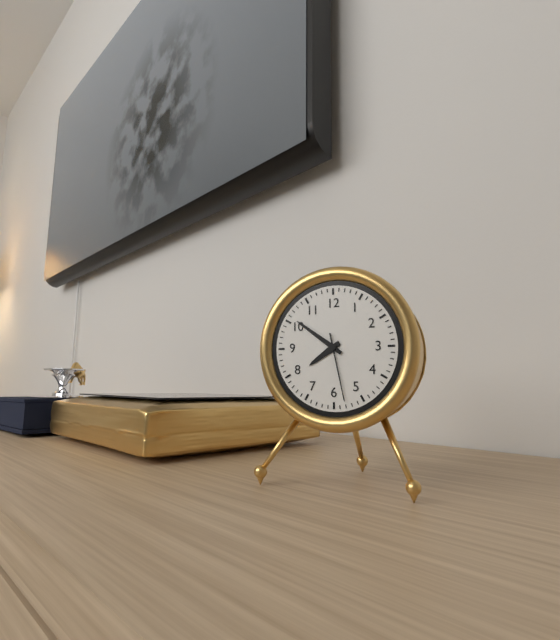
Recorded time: 7h51m28s
